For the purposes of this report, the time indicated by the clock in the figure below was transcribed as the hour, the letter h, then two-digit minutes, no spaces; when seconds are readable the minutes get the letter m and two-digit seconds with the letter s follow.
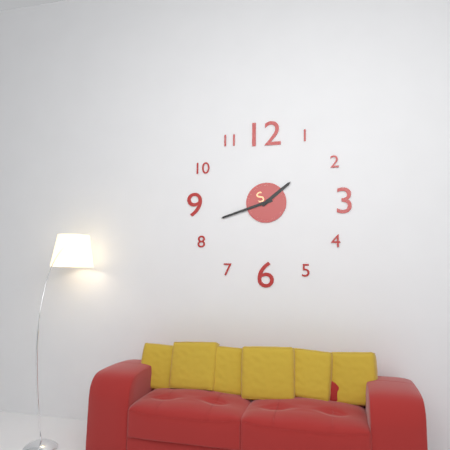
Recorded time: 1h42
